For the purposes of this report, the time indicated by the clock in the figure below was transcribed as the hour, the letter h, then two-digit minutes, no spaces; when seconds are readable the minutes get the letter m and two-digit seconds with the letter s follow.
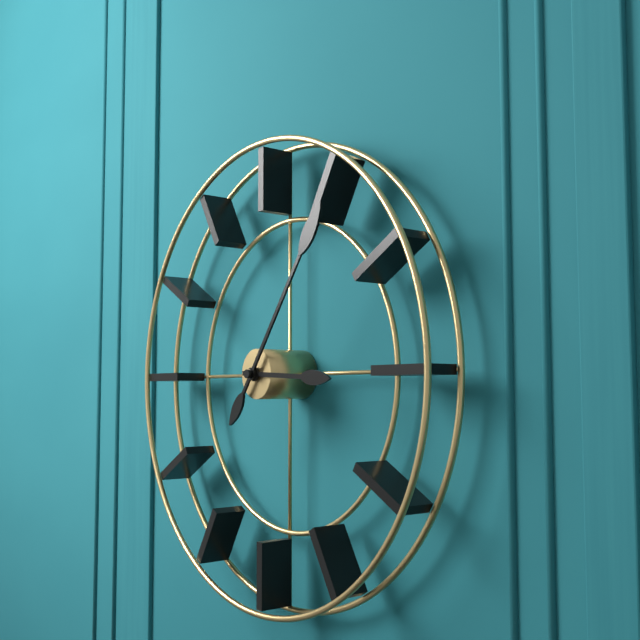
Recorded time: 3h06
